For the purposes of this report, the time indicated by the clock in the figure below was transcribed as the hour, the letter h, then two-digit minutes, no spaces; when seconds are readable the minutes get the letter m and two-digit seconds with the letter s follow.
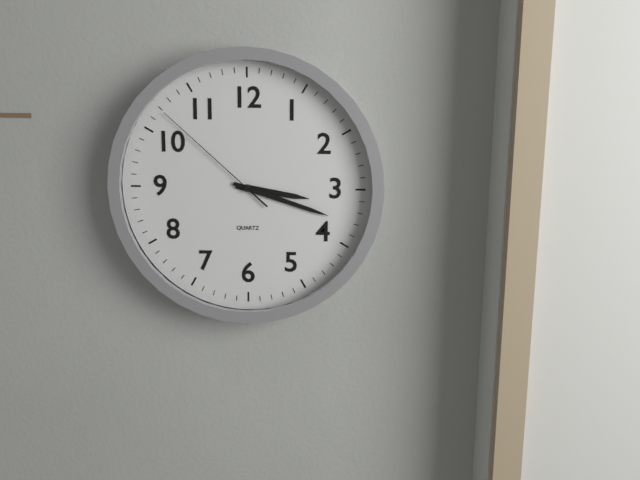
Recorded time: 3h18m52s
